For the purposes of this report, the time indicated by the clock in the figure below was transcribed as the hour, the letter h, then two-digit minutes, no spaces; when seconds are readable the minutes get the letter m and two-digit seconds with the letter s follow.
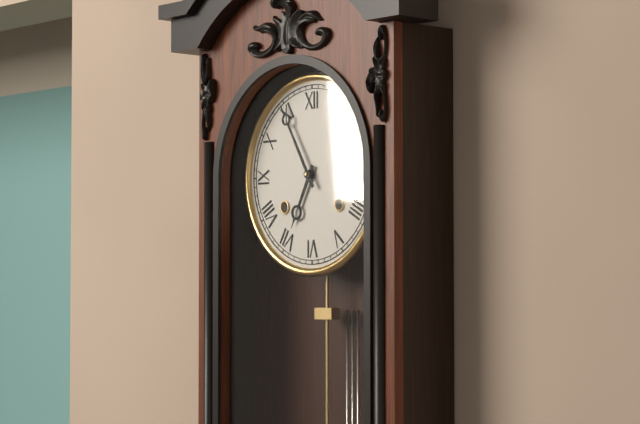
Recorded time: 6h55
